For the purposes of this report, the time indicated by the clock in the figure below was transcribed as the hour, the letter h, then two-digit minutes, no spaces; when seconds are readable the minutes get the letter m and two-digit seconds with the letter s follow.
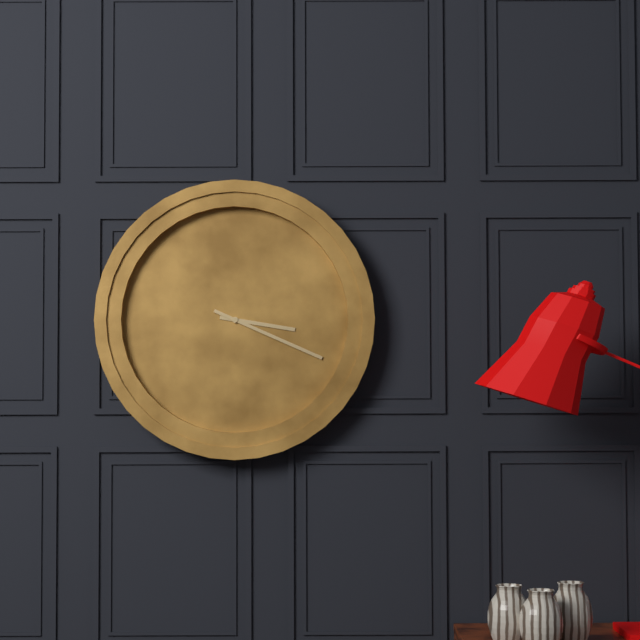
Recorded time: 3h19
